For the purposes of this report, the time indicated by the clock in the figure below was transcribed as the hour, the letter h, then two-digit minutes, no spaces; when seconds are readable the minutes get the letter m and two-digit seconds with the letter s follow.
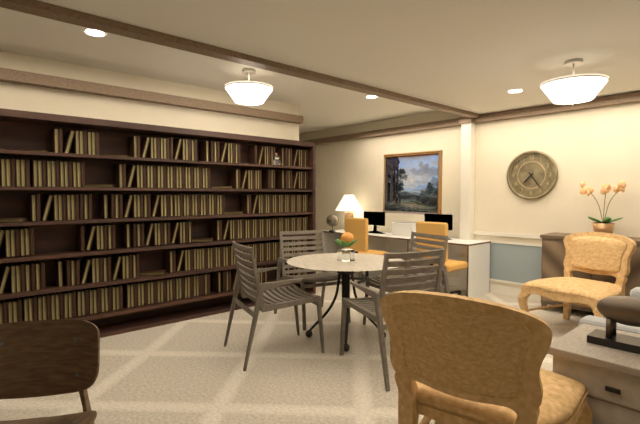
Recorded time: 7h24
